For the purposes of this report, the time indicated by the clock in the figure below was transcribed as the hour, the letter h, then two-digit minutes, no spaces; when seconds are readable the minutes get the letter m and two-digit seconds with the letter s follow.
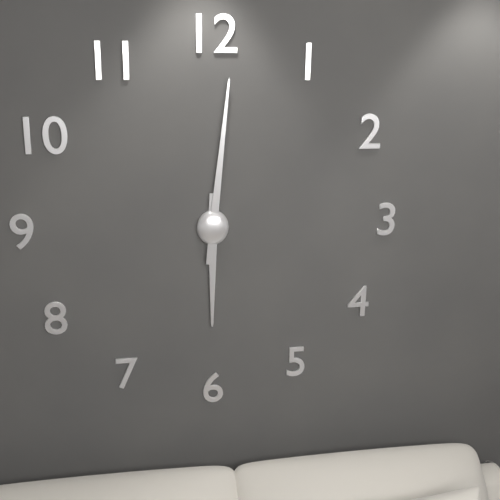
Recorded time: 6h01
